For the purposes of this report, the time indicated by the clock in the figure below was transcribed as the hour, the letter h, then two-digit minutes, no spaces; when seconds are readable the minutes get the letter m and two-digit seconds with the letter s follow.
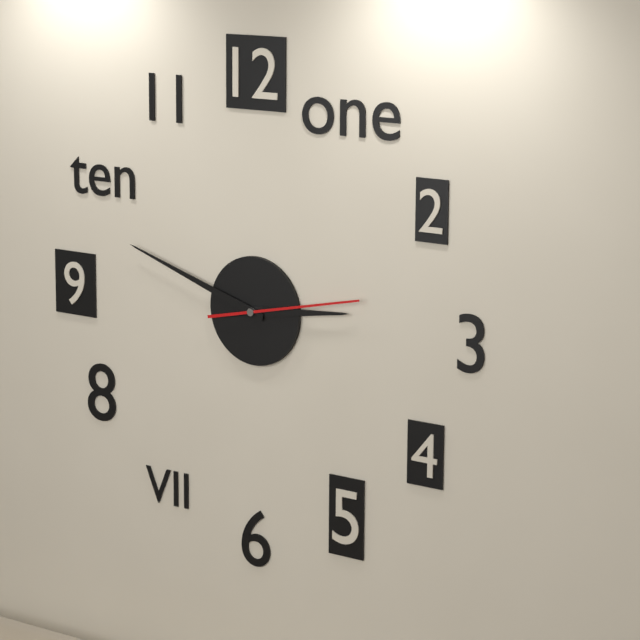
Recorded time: 2h48m13s
